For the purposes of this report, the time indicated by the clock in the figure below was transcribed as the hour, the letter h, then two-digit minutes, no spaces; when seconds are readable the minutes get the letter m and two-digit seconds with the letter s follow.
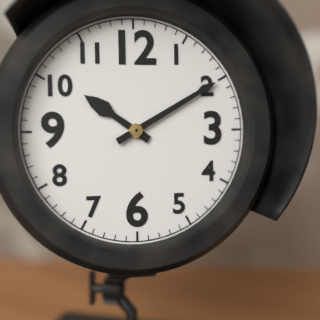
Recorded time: 10h10
